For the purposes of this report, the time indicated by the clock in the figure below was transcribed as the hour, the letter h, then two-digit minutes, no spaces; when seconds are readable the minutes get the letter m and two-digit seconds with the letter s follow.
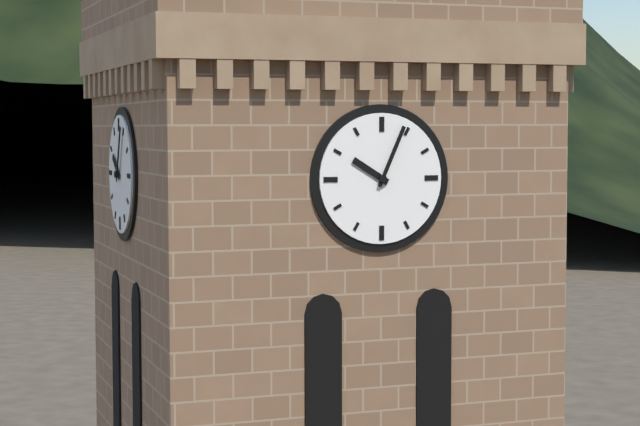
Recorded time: 10h04
